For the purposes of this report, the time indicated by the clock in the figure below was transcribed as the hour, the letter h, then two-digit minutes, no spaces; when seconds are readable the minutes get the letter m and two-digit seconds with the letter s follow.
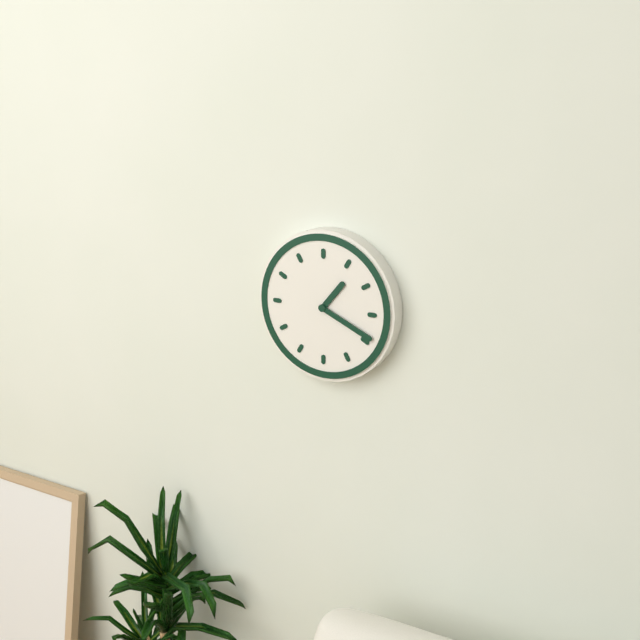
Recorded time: 1h19
